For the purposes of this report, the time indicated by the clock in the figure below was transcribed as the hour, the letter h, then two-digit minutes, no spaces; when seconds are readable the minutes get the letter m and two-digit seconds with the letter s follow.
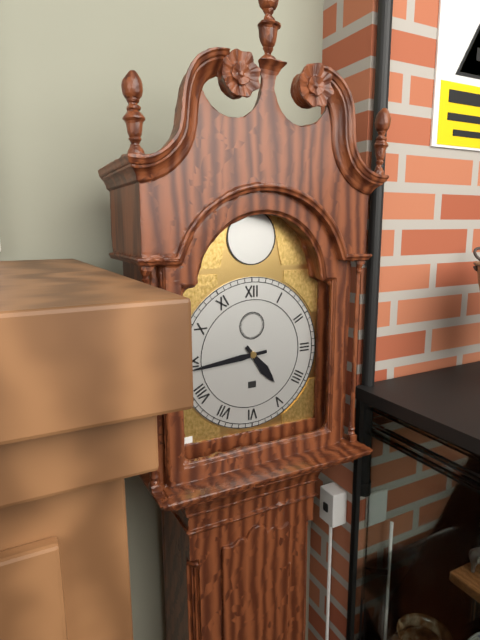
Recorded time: 4h44
